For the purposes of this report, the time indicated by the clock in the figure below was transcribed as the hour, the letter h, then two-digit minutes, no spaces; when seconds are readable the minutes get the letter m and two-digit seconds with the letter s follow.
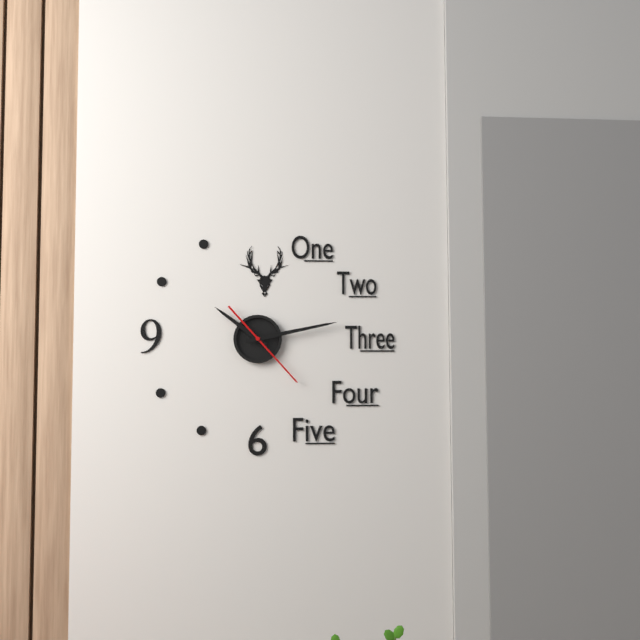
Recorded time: 10h13m23s
